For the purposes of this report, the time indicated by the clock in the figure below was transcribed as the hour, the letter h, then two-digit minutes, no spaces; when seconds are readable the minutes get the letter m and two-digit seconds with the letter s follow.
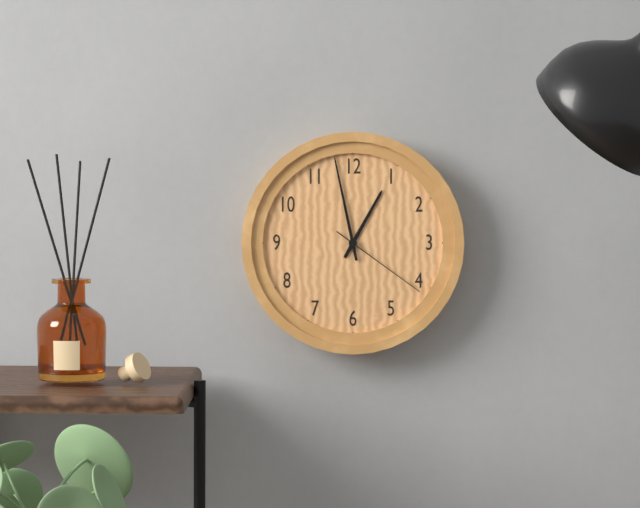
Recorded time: 12h58m21s
